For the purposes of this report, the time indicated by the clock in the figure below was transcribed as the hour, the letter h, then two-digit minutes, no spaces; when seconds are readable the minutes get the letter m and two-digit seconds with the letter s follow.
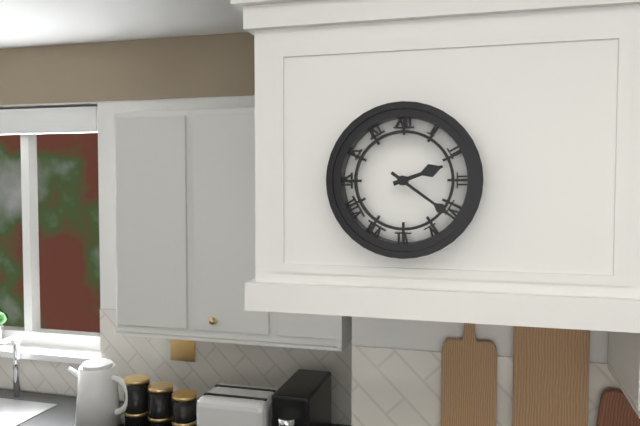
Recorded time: 2h21
